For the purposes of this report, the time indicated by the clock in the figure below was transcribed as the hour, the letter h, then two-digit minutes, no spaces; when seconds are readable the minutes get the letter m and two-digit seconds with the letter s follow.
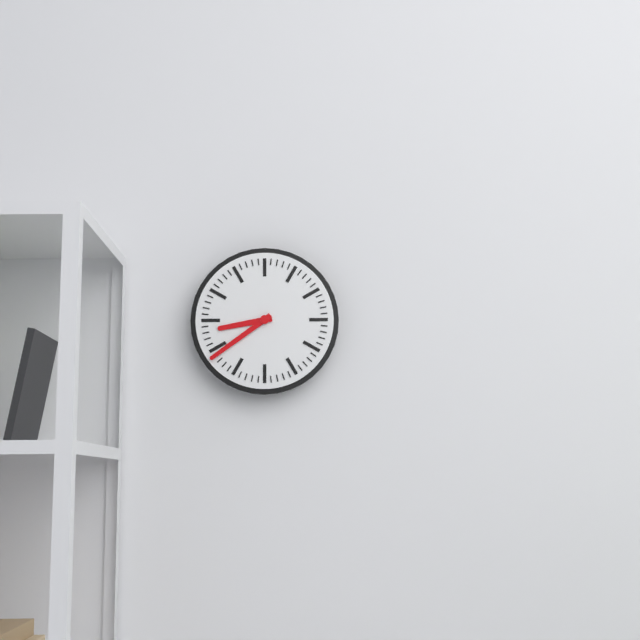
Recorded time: 8h39
